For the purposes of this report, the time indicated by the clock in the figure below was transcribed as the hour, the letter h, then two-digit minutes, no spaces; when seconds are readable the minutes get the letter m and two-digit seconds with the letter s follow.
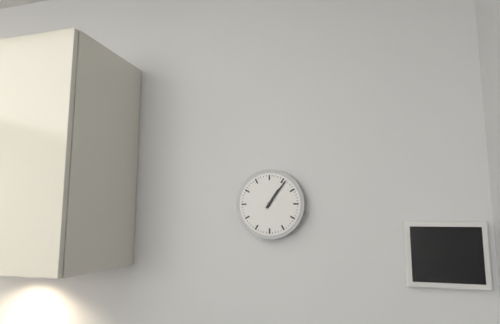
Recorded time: 1h06
